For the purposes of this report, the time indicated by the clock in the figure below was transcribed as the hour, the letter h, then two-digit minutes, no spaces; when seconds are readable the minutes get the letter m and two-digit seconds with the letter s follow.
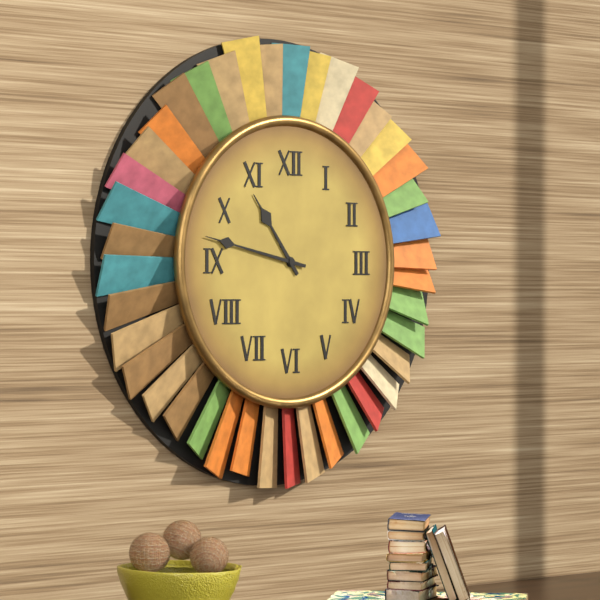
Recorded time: 10h47
